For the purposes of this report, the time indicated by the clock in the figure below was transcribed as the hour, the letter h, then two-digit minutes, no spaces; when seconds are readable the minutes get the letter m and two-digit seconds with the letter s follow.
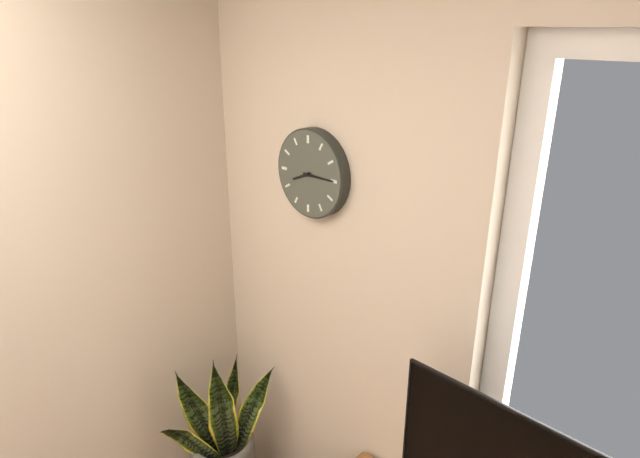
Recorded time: 8h15
